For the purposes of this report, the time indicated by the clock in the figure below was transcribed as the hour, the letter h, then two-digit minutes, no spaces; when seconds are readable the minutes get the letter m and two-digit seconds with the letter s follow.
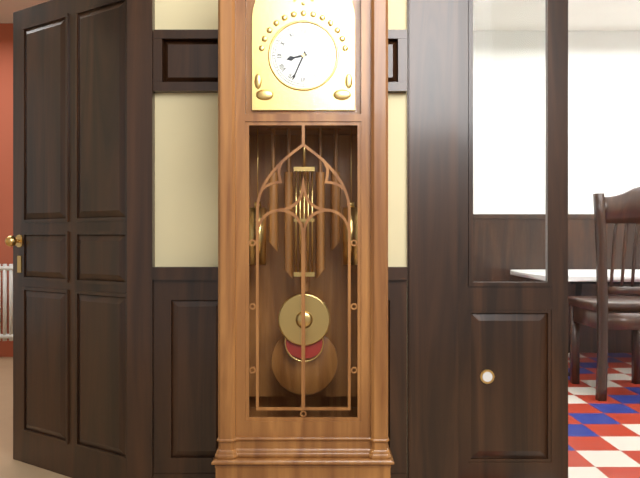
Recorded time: 8h34
